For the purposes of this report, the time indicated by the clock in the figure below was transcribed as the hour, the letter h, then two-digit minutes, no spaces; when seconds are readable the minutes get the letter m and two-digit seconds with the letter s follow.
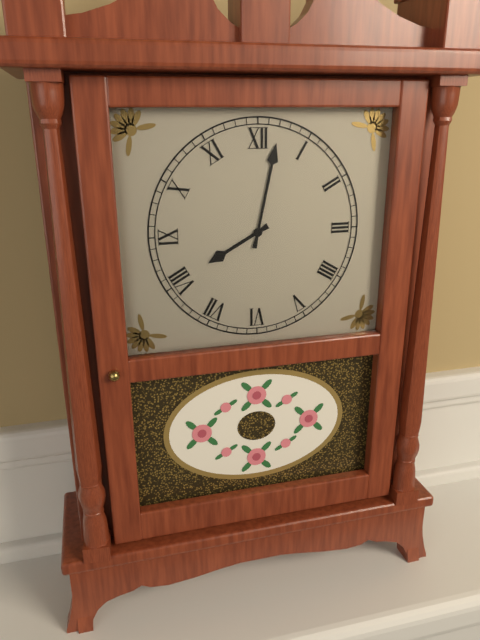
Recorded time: 8h02
